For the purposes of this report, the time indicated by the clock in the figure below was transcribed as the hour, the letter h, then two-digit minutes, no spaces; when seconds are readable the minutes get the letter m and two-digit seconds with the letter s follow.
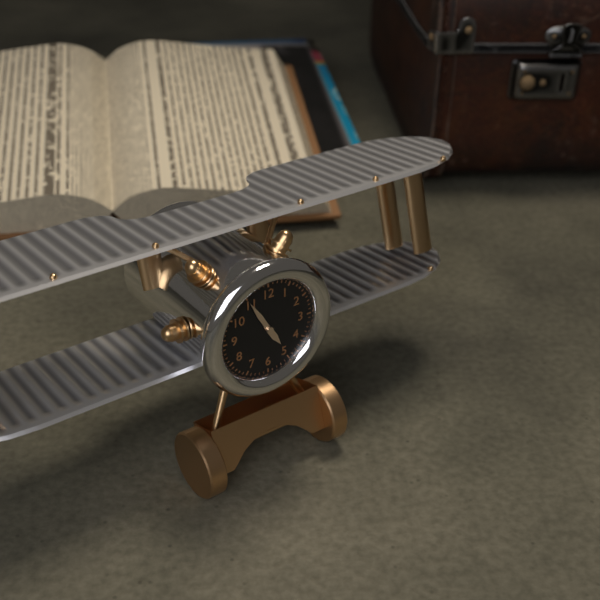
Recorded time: 4h55
